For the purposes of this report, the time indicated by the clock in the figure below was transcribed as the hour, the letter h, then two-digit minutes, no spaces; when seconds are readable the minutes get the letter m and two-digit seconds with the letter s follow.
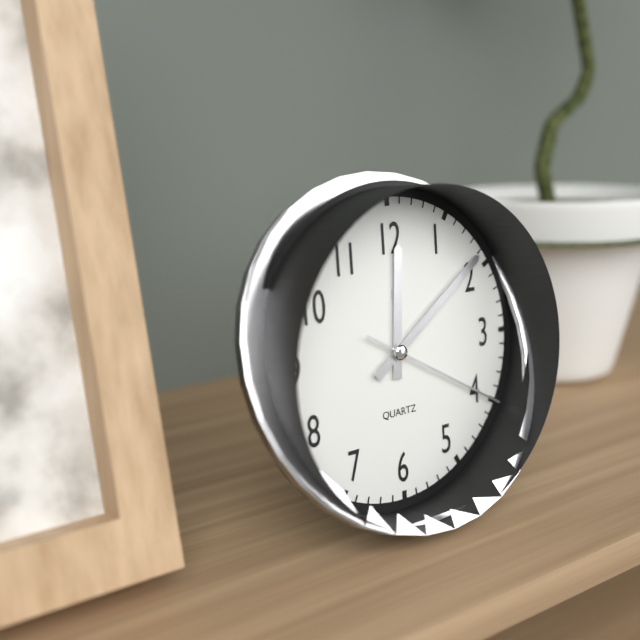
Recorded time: 12h09m20s
